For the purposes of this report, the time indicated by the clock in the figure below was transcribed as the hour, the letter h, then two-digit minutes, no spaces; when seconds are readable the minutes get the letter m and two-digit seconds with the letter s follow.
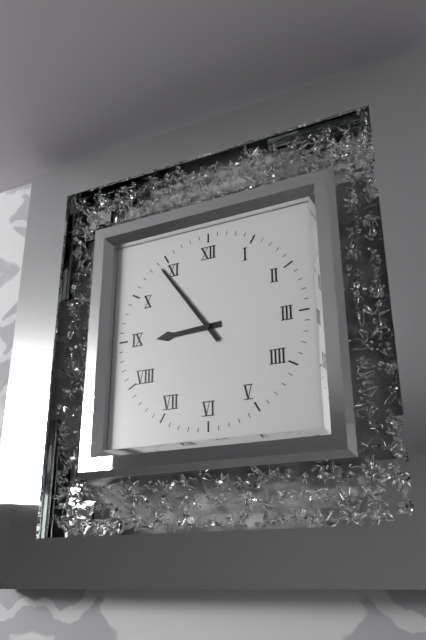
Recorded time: 8h54
